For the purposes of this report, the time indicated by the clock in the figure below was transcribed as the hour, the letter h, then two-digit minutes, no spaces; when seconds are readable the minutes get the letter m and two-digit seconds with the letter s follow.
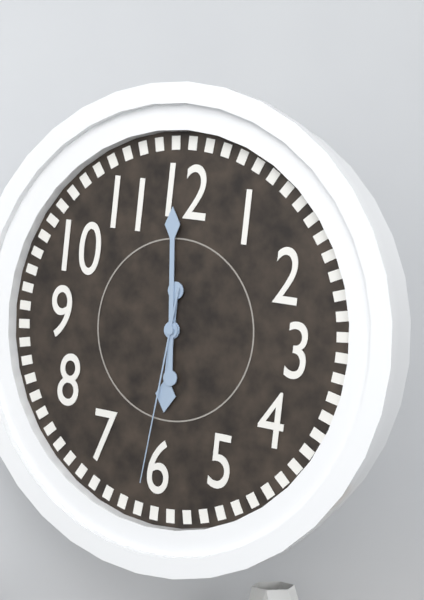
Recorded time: 5h59m31s
